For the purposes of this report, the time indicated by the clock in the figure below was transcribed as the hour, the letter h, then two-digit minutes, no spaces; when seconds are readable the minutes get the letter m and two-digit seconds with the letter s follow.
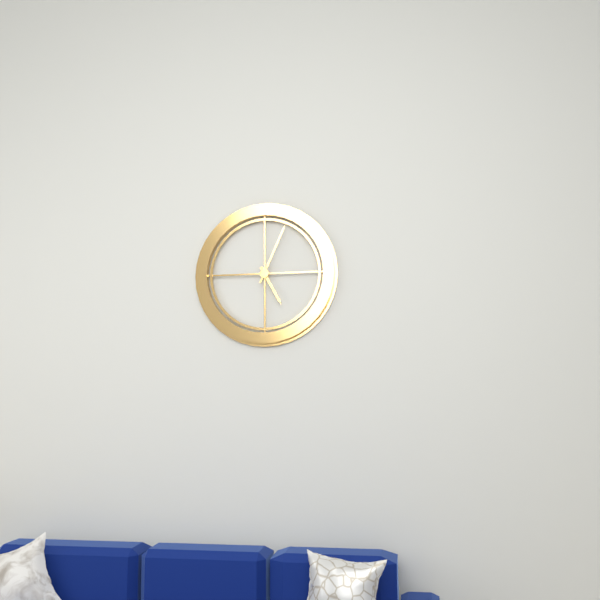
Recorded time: 5h04
